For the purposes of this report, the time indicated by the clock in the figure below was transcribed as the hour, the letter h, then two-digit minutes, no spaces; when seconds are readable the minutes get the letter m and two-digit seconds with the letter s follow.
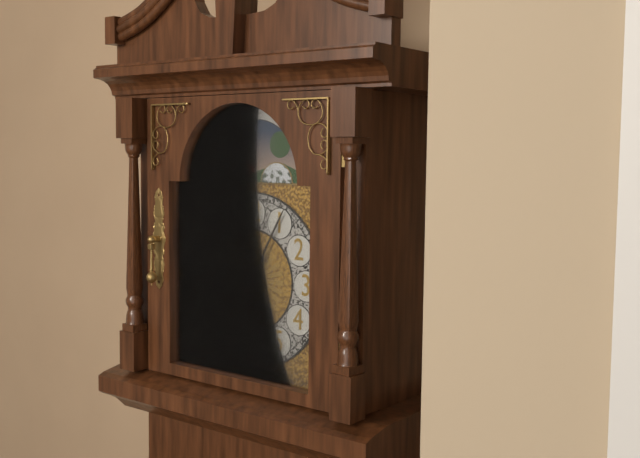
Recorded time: 5h05
